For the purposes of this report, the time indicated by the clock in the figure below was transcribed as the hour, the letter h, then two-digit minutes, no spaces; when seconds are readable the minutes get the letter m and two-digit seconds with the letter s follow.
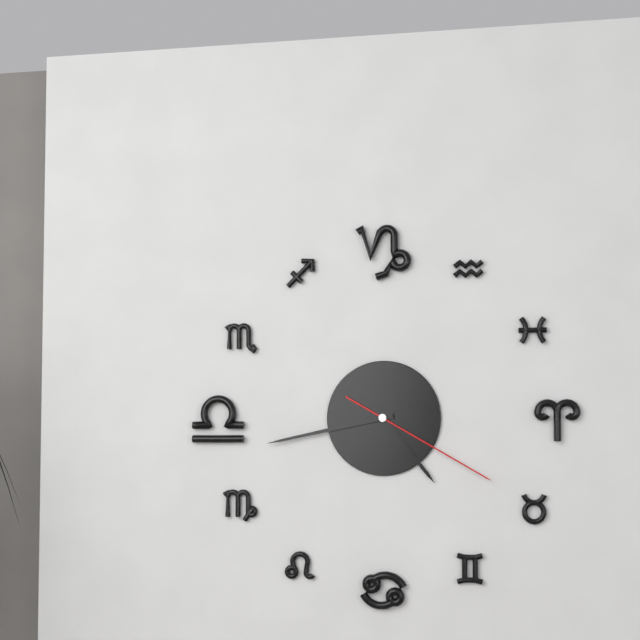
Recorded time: 4h43m20s
